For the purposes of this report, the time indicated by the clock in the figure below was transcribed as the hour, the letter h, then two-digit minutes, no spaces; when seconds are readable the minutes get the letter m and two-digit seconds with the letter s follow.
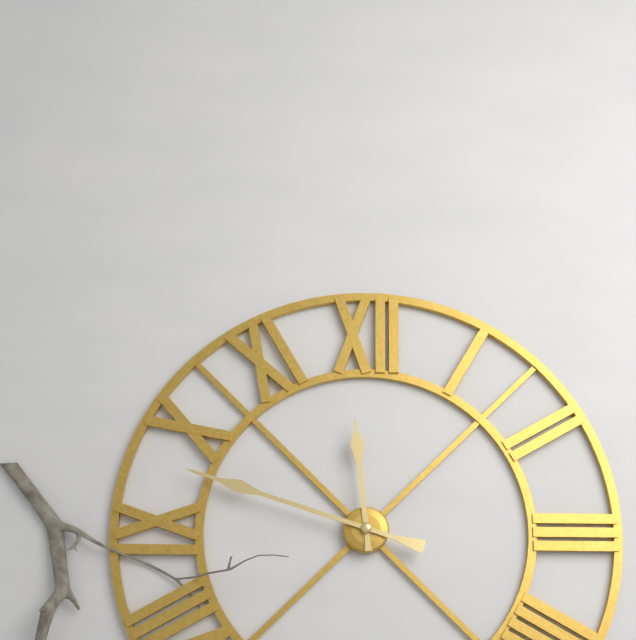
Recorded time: 11h48
